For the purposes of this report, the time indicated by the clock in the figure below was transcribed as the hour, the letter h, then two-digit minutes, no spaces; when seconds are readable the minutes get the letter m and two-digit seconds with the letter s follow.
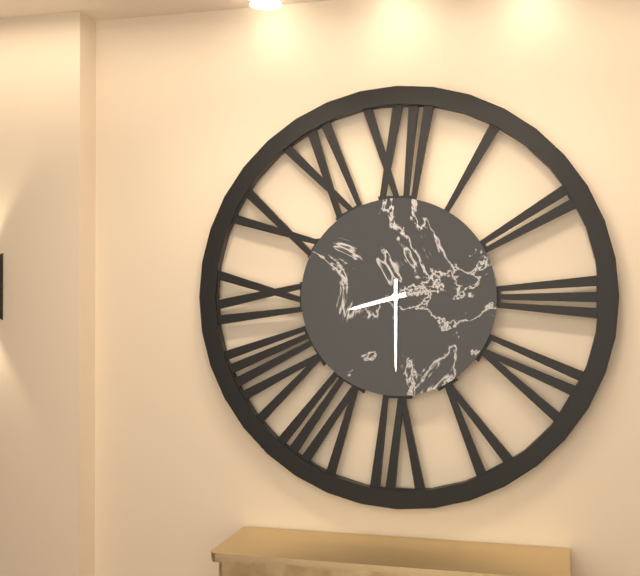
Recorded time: 8h30
